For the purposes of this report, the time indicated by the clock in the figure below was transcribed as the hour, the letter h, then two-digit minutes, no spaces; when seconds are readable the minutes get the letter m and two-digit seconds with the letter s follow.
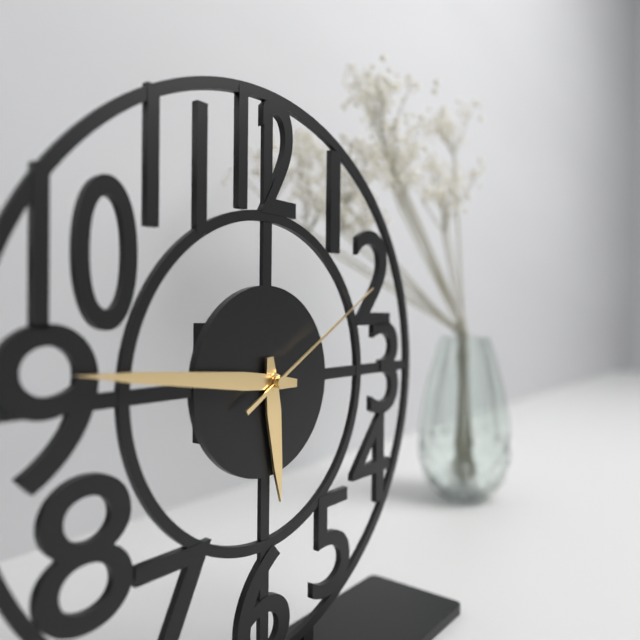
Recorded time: 5h46m10s
